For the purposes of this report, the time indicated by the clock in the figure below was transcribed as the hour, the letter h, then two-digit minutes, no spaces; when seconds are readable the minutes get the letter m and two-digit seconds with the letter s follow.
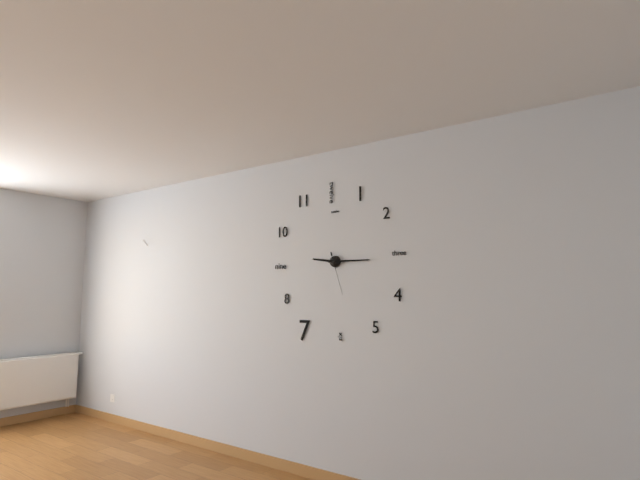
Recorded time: 9h15
